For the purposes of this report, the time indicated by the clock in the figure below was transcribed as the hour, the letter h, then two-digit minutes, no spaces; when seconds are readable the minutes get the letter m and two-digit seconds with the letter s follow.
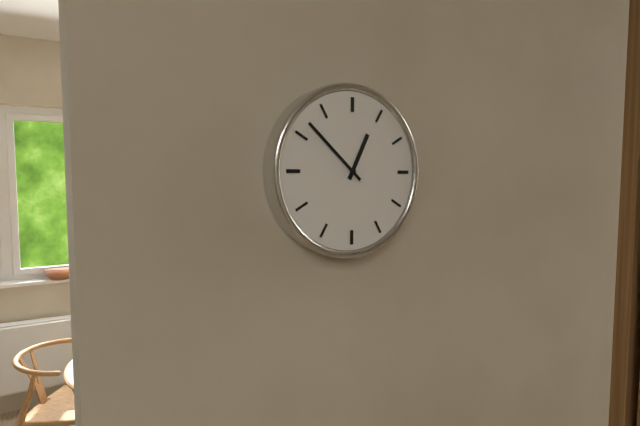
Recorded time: 12h52
